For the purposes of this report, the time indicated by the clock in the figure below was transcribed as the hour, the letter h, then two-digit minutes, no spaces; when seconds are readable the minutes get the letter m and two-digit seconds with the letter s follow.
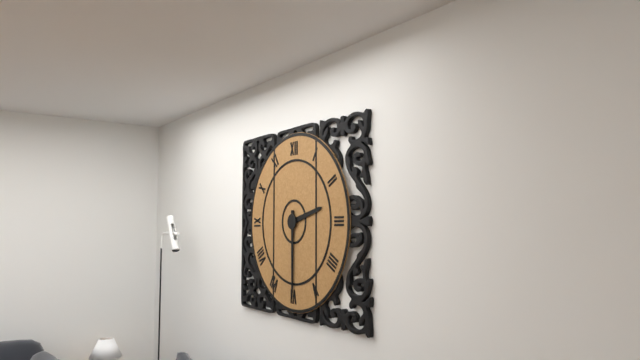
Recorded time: 2h30
